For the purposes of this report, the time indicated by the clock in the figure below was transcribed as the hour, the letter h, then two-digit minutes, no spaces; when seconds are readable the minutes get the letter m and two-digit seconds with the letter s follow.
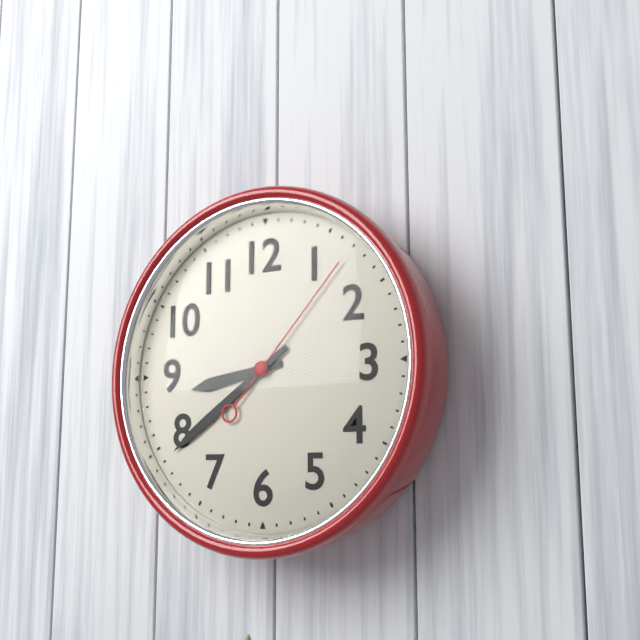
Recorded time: 8h39m07s
